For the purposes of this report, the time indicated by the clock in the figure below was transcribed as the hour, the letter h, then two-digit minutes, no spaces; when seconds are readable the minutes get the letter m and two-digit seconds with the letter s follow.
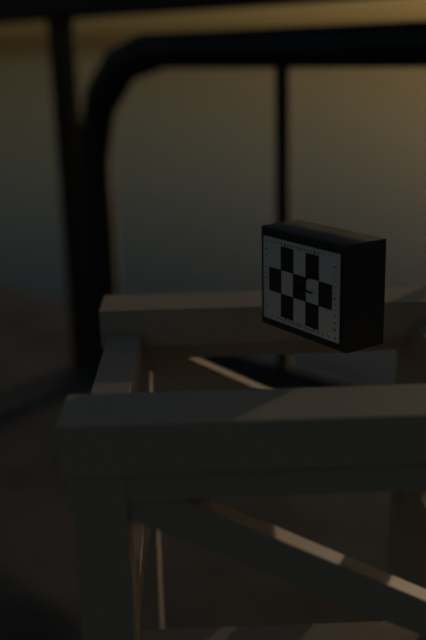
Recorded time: 3h08
